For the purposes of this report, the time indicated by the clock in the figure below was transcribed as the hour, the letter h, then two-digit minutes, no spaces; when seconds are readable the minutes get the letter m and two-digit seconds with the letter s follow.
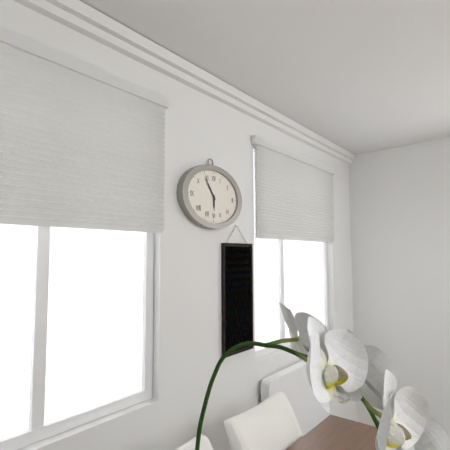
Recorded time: 5h54
